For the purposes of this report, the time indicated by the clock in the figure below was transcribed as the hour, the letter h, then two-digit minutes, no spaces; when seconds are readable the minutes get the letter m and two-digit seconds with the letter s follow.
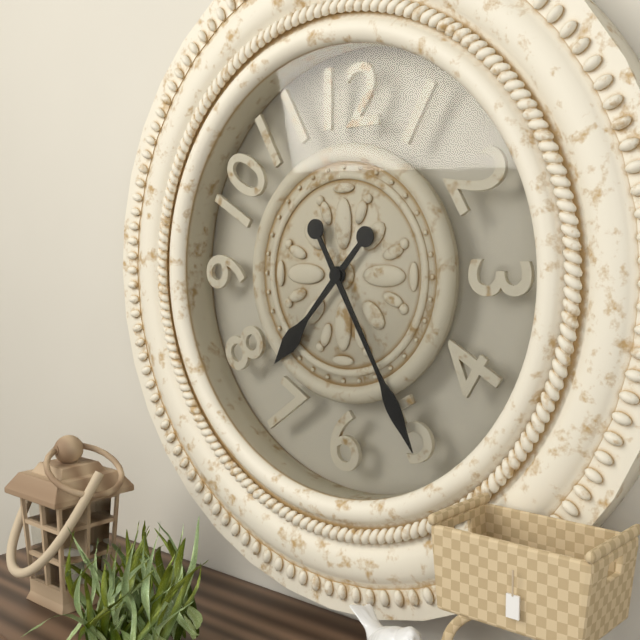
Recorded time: 7h25
